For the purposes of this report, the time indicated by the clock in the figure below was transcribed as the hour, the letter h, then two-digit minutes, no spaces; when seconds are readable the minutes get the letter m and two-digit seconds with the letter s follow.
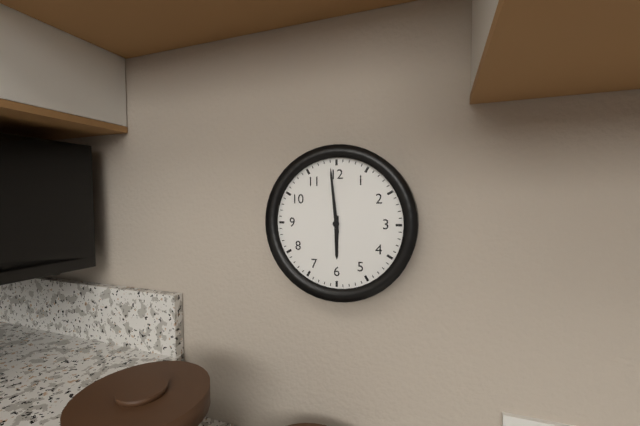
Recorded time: 5h59
